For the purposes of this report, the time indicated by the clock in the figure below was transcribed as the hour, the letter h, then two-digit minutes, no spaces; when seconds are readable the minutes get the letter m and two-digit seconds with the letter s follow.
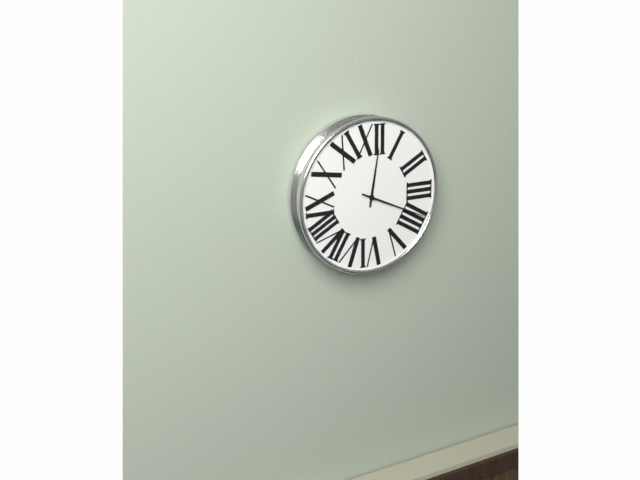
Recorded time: 12h19
